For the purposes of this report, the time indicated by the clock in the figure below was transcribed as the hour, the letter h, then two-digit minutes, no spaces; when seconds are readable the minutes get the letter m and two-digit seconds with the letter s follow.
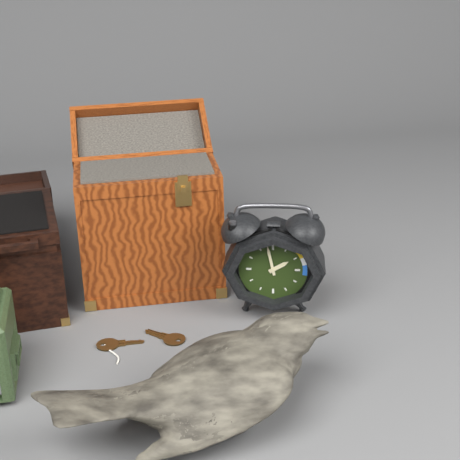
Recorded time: 1h58
